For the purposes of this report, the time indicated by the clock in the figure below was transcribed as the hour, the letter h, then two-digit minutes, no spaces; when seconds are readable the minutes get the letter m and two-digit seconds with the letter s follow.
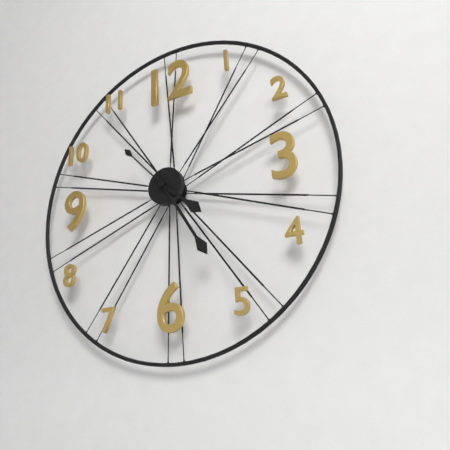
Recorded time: 4h25m53s
